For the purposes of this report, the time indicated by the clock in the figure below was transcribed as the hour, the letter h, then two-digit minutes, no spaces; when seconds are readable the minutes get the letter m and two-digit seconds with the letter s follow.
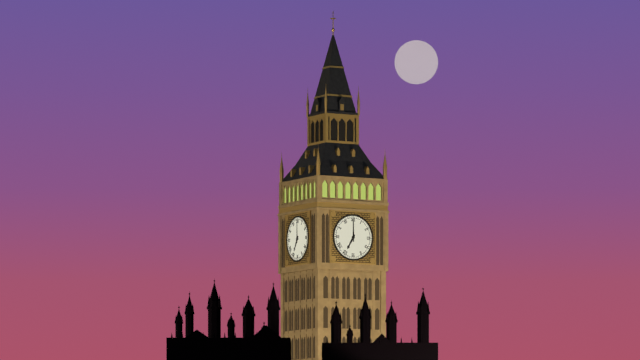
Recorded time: 7h00
